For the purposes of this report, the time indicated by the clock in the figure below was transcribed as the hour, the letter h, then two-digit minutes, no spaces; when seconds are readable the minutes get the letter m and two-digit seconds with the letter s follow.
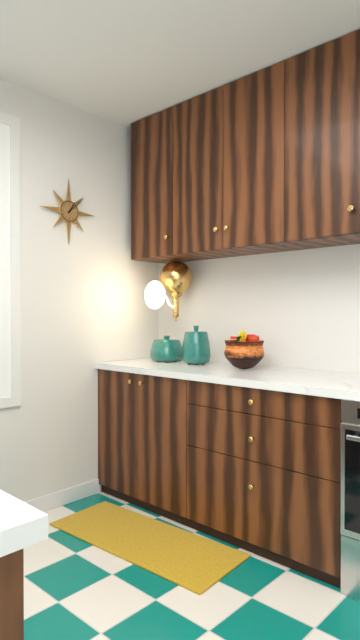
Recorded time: 1h08
